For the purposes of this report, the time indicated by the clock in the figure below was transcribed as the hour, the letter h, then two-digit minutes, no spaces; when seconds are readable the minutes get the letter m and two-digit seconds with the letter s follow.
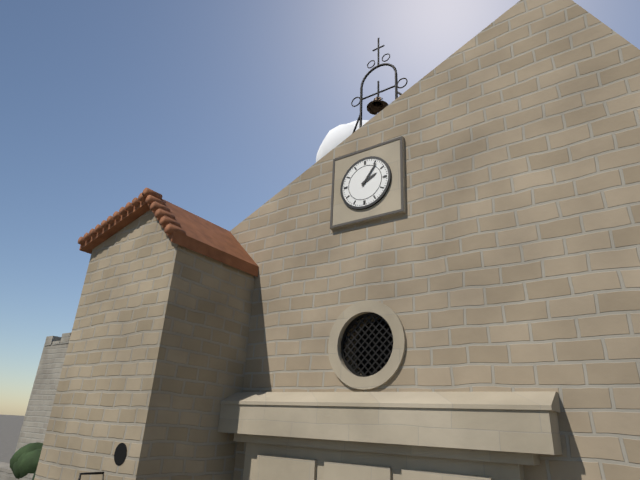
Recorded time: 2h06
